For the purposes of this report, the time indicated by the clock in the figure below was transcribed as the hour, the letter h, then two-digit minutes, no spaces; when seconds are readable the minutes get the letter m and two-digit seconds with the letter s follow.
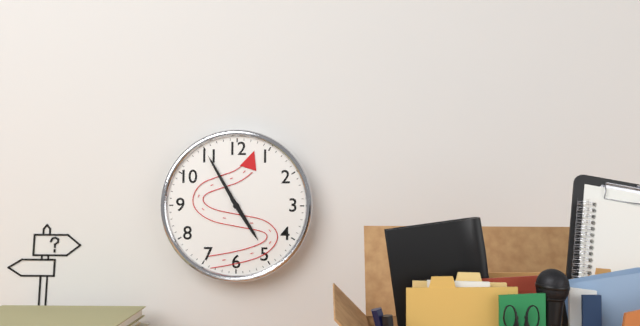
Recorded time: 4h55
